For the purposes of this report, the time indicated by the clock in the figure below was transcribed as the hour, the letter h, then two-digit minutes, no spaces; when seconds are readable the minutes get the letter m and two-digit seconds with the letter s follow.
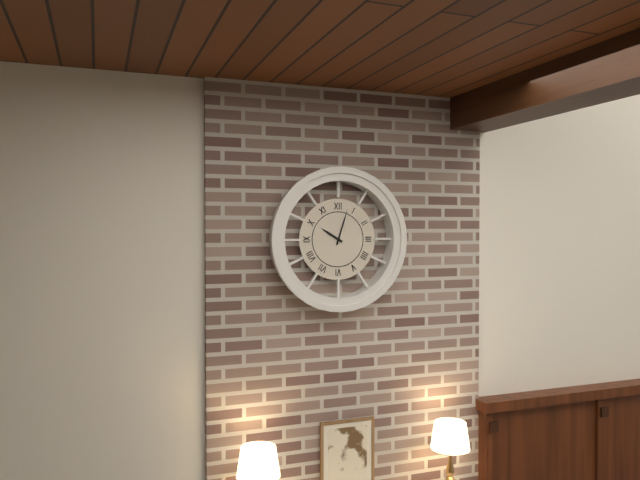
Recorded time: 10h03
